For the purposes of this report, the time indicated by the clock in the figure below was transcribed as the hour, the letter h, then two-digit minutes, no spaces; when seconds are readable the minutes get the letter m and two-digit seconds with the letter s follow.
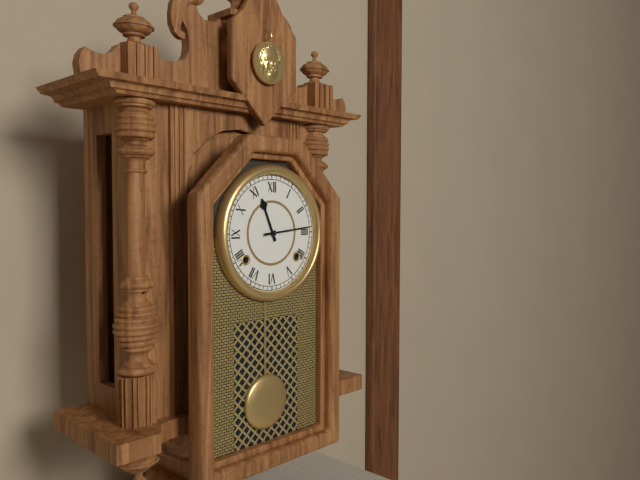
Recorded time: 11h14
